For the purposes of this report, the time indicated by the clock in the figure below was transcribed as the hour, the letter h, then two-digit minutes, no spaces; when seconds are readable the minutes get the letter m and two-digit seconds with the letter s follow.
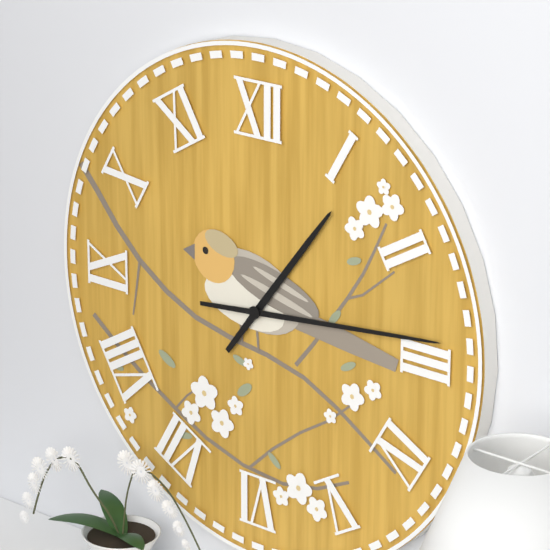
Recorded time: 1h14
